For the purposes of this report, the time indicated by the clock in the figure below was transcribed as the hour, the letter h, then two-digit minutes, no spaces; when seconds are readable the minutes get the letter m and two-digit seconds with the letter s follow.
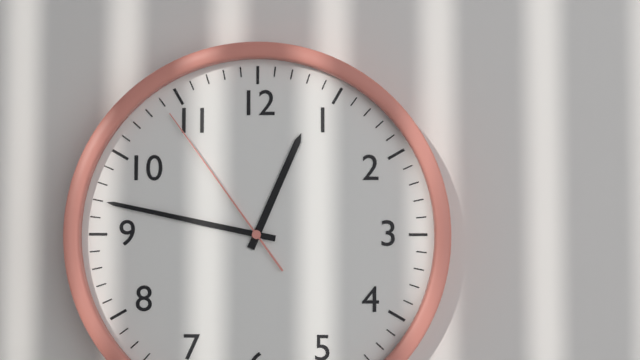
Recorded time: 12h47m54s
